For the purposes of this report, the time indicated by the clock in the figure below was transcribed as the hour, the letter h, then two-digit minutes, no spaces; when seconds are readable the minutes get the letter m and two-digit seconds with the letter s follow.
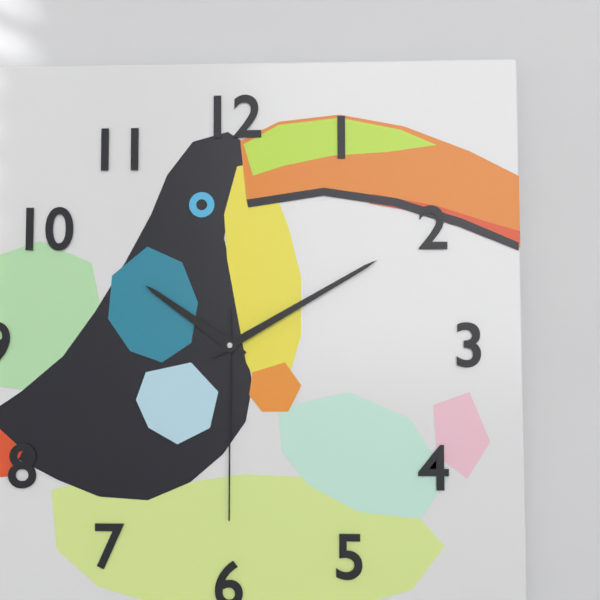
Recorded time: 10h10m30s
